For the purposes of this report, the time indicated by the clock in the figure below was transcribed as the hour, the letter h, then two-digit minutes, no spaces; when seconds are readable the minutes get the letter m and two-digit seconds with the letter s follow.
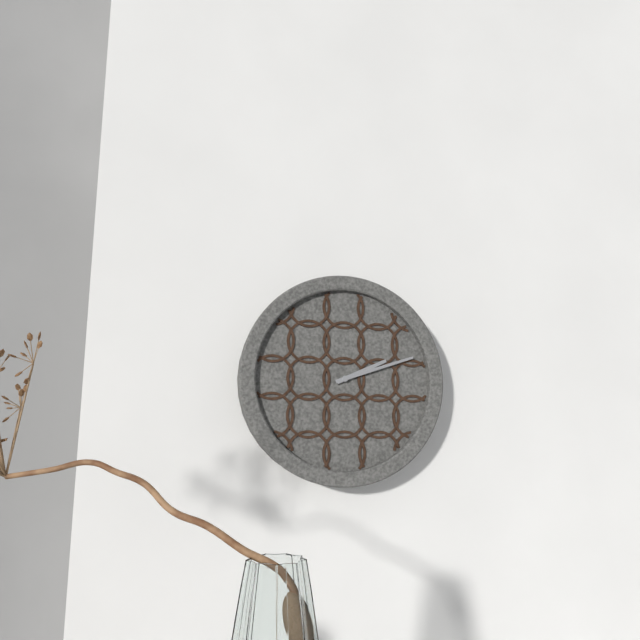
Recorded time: 2h12
